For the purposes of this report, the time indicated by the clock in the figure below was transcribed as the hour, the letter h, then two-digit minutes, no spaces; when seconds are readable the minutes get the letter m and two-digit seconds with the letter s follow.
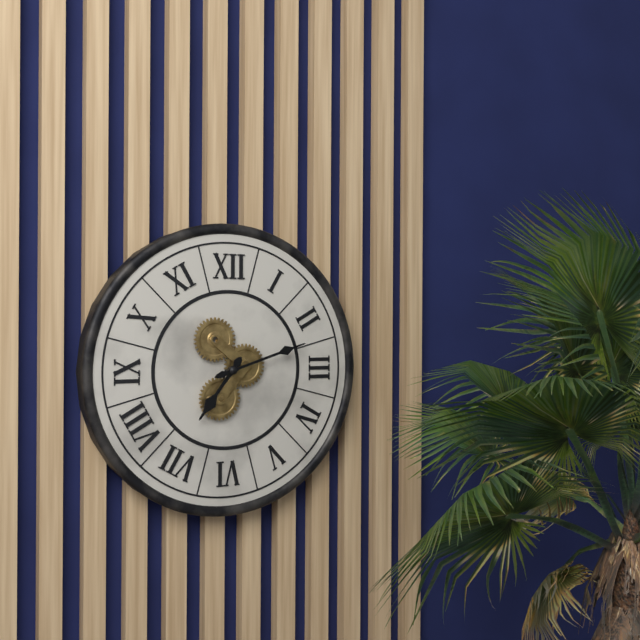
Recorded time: 7h12
